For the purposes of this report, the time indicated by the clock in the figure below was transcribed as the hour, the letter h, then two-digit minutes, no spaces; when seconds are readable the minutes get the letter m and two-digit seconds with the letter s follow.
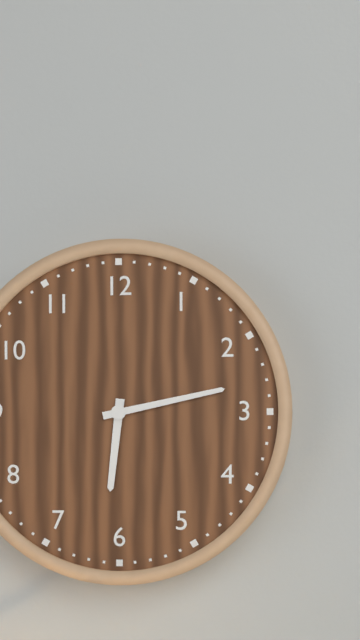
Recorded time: 6h13
